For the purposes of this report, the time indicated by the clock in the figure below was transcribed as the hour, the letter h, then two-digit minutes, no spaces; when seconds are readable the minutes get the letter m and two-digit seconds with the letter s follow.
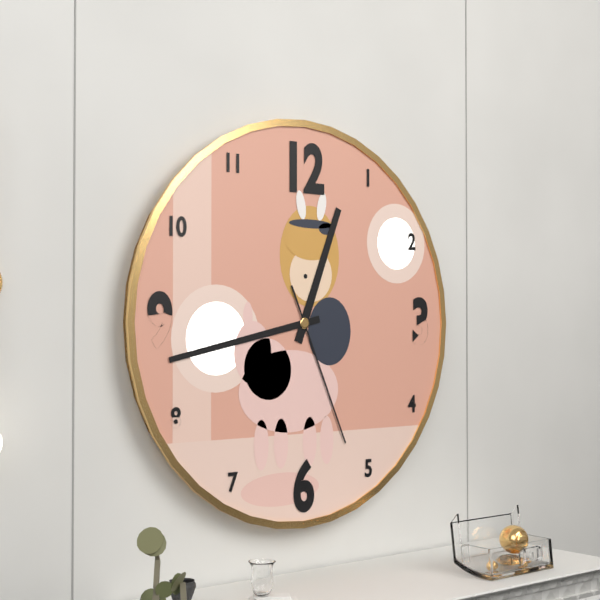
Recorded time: 12h43m26s
